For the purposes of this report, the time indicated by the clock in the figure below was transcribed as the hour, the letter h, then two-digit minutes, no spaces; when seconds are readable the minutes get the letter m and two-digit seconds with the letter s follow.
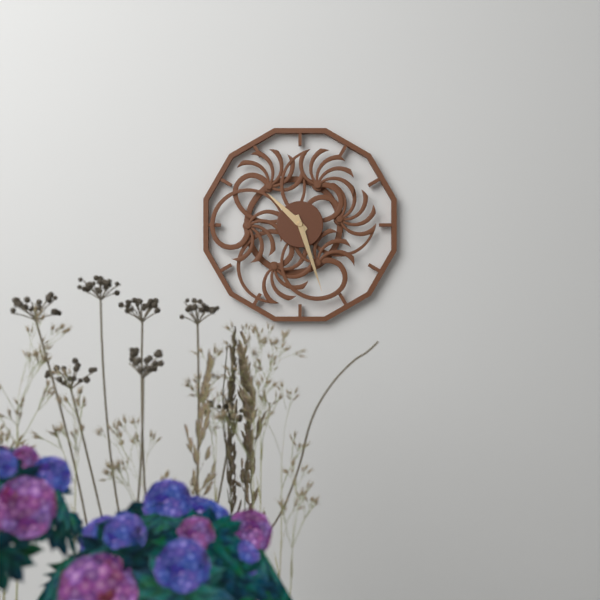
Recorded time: 10h27
